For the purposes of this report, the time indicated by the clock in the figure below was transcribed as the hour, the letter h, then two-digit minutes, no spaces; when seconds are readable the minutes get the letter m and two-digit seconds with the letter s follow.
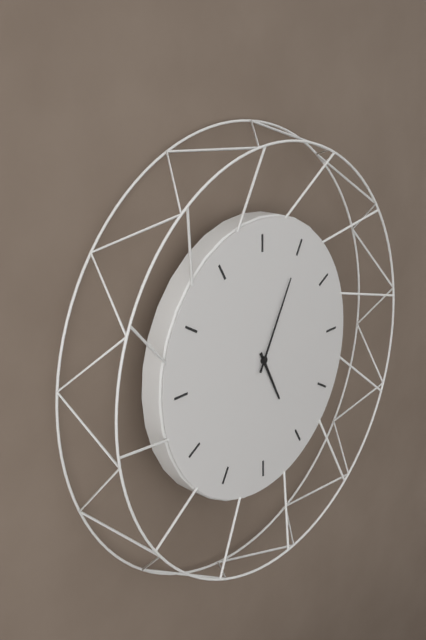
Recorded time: 5h05
